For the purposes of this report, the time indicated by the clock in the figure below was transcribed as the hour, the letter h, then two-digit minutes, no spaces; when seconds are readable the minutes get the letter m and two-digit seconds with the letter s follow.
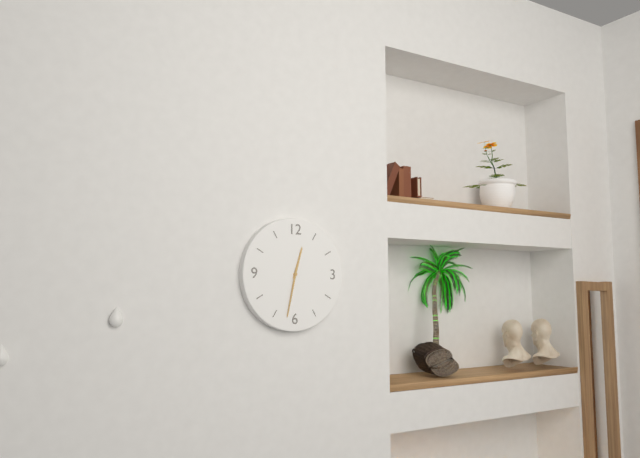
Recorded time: 12h32
